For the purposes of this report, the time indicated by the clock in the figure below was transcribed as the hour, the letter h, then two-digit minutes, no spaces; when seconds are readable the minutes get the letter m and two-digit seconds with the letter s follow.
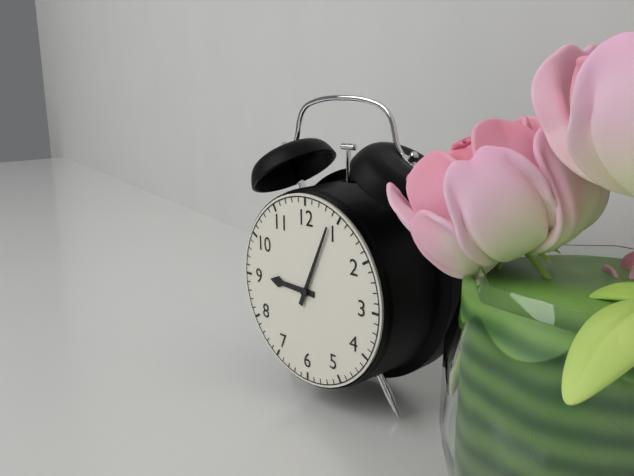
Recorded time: 9h04
